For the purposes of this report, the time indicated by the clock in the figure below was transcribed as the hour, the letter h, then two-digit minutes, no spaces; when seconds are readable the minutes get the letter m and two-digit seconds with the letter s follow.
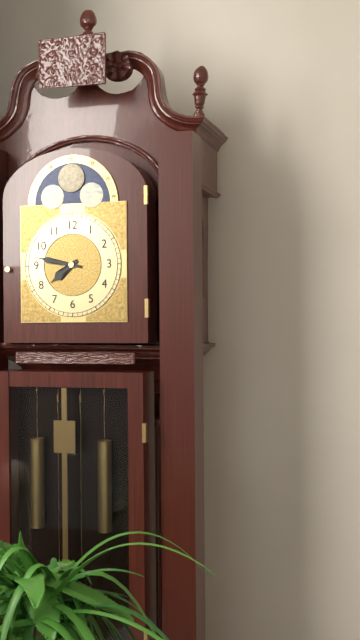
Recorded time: 7h47
